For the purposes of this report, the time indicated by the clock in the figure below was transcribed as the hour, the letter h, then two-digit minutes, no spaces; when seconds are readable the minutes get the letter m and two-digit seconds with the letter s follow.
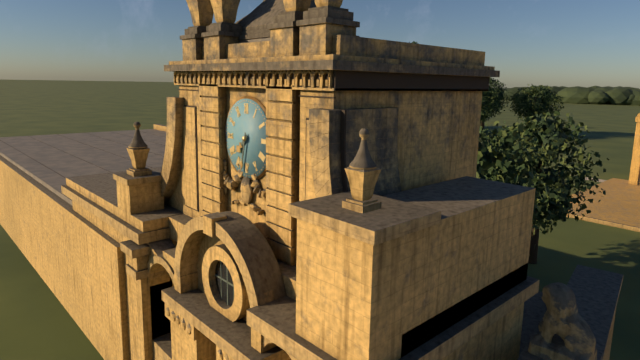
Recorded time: 7h32
